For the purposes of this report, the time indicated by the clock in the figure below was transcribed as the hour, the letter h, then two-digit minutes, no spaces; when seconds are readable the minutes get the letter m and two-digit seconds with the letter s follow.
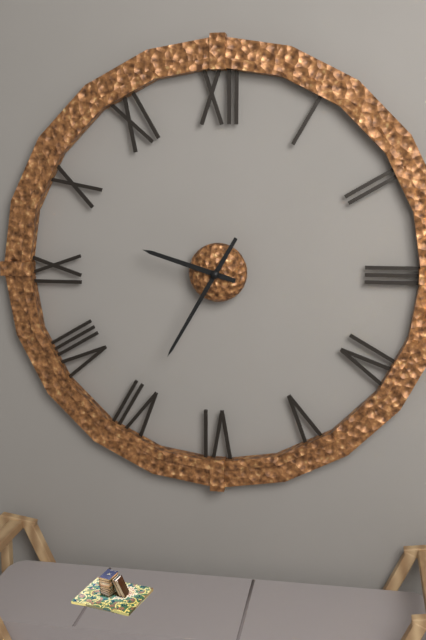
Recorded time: 9h35
